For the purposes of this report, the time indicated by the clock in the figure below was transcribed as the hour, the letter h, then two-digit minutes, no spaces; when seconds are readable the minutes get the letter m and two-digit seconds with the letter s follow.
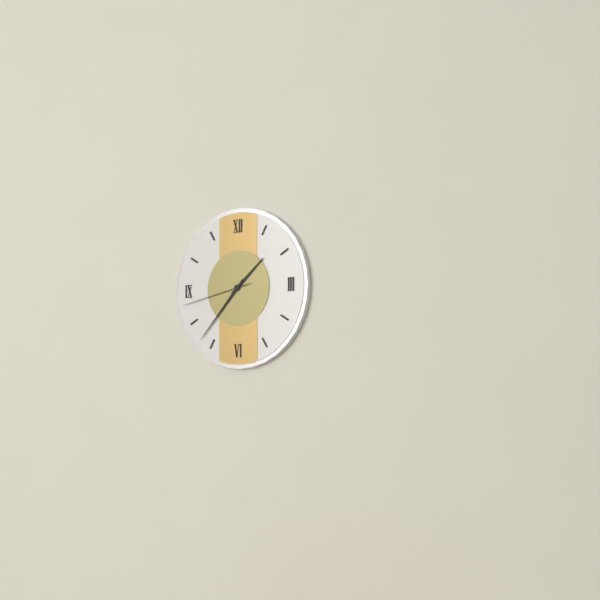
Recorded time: 1h37m43s
